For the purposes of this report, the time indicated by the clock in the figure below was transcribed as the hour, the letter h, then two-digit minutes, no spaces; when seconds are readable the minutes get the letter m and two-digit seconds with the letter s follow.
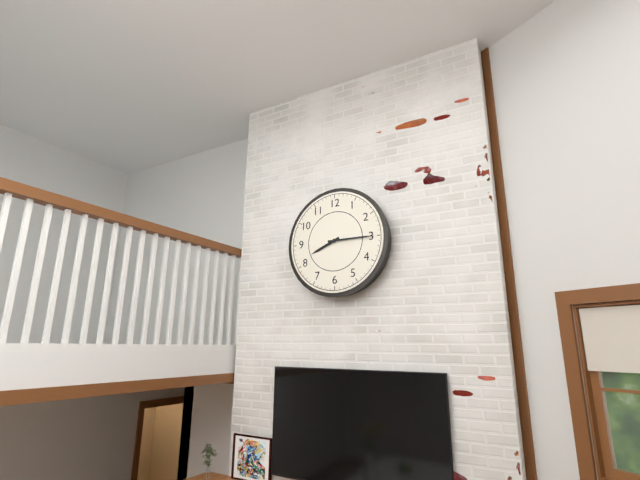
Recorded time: 8h15
